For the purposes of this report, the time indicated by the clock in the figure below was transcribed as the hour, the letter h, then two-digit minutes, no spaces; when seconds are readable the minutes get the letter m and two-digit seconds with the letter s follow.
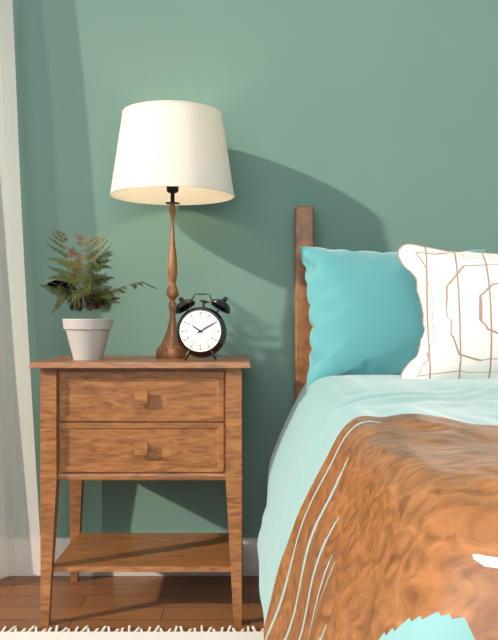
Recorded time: 10h10
